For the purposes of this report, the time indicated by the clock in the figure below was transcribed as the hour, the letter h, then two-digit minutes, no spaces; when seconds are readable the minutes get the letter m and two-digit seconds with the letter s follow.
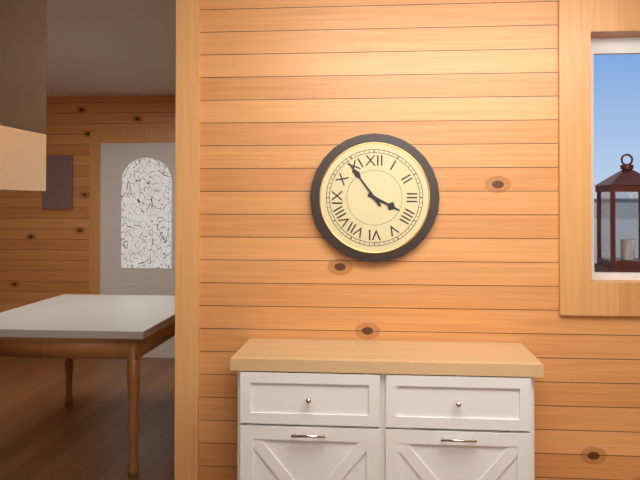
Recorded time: 3h54
